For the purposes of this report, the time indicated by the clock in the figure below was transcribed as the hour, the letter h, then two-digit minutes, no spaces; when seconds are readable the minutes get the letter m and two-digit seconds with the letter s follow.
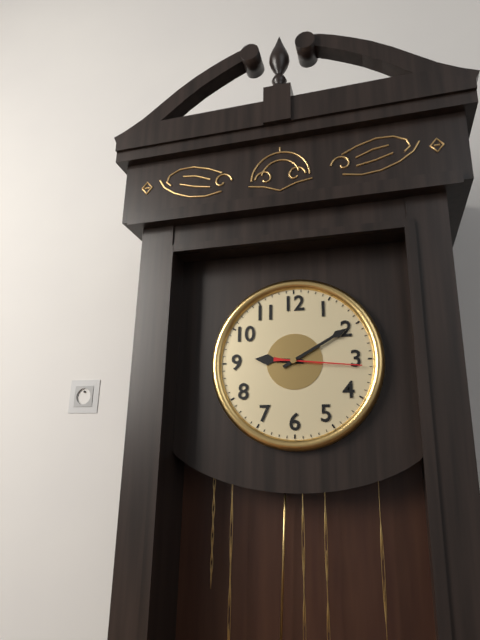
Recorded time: 9h10m16s
